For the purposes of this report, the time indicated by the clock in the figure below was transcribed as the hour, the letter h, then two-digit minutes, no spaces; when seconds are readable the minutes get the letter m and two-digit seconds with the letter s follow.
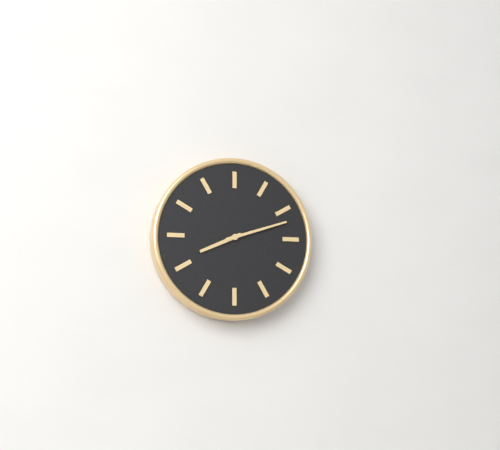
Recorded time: 8h12
